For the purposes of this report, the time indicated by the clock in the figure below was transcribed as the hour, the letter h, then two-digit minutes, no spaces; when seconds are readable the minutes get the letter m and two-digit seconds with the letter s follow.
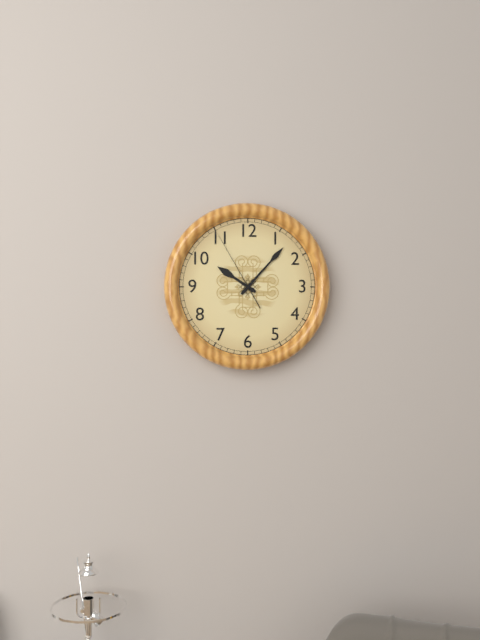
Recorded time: 10h07m55s
